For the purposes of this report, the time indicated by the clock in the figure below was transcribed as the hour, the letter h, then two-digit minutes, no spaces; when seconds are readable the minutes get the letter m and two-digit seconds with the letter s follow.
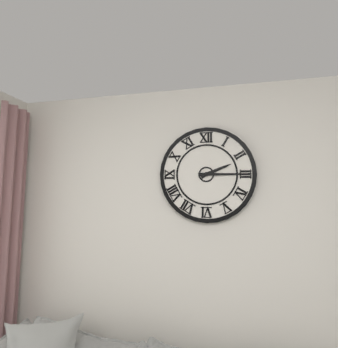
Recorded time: 2h15
